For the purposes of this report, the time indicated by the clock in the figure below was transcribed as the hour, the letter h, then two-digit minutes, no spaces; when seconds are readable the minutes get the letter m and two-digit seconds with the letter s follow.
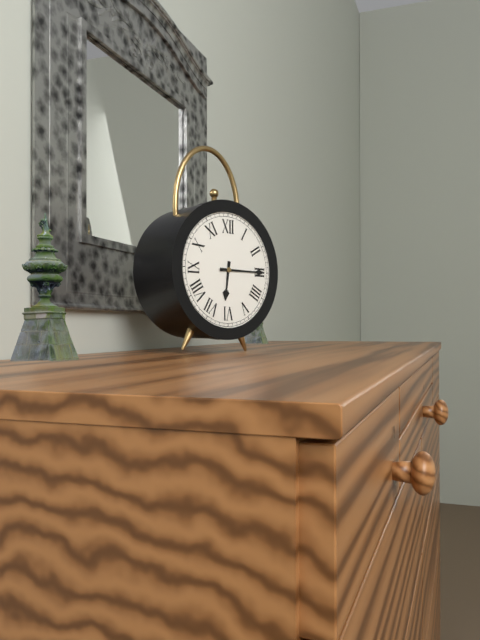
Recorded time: 6h15
